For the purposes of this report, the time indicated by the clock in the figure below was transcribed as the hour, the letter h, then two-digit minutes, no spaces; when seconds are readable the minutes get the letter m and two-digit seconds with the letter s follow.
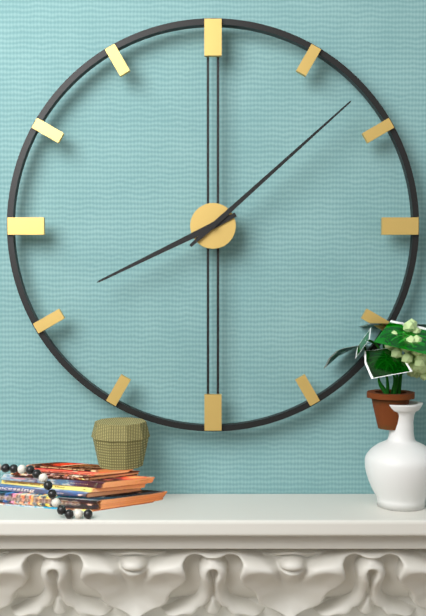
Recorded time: 8h08
